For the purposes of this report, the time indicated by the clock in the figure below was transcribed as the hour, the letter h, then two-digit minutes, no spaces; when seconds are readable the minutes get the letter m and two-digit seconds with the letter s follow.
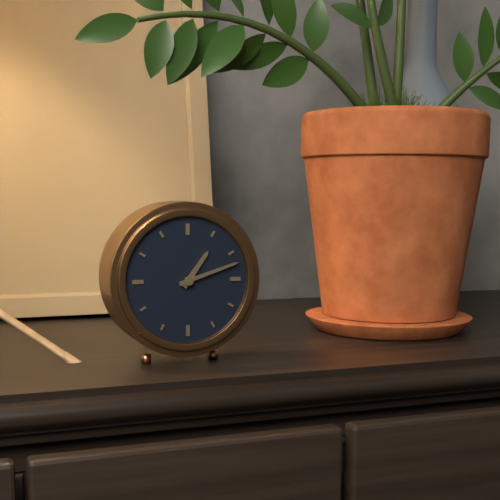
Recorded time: 1h12
